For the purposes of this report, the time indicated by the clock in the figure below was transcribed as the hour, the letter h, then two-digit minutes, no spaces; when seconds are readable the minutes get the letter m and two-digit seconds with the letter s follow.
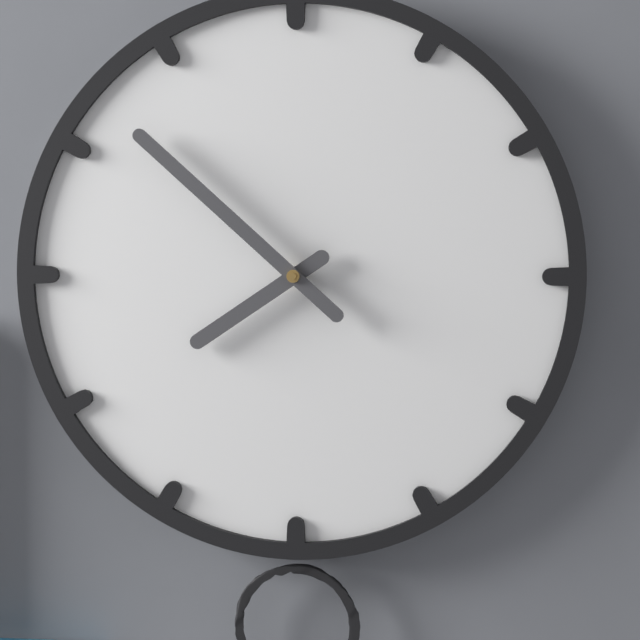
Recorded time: 7h52
